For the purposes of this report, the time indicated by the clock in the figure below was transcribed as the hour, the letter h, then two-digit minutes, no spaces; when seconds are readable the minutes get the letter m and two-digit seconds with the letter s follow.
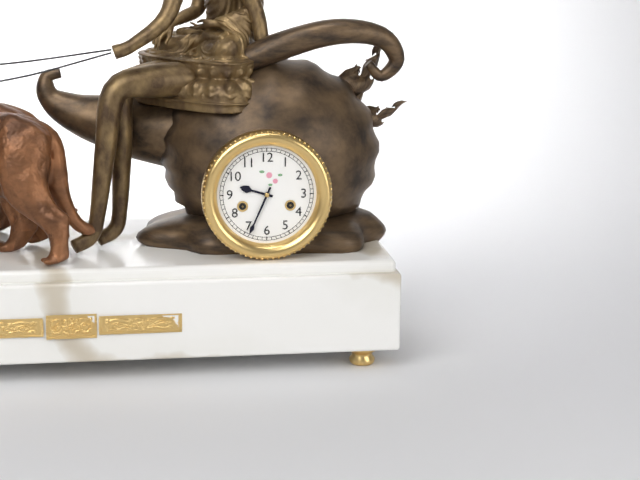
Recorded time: 9h34
